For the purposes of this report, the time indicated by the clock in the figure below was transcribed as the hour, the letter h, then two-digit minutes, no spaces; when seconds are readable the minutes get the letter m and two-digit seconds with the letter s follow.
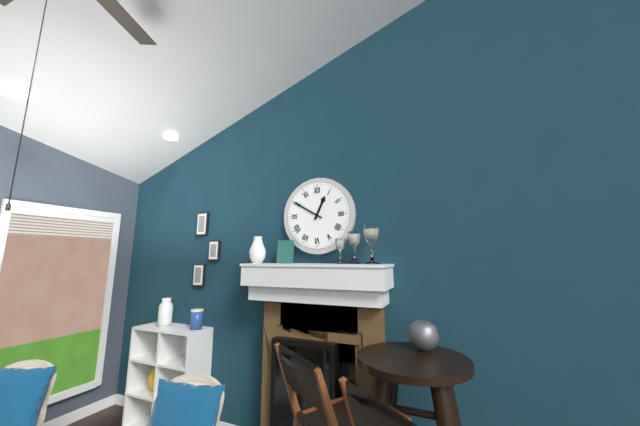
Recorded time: 12h50
